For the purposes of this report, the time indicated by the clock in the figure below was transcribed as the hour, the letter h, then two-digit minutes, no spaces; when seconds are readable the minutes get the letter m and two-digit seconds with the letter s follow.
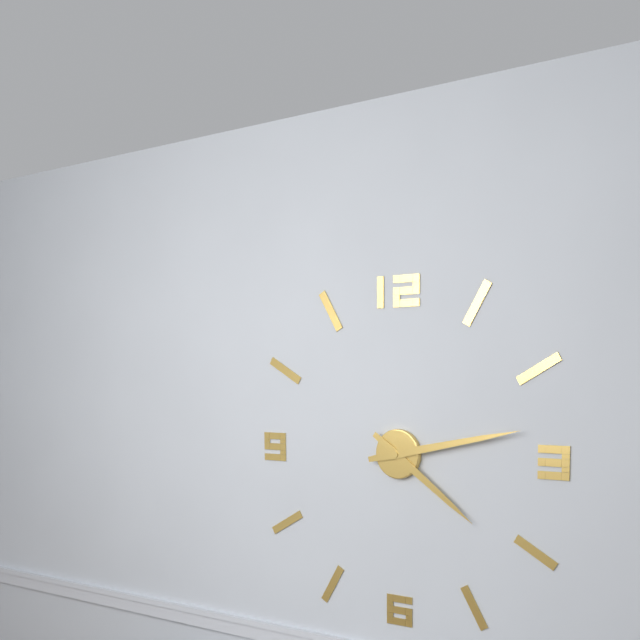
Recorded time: 4h13
